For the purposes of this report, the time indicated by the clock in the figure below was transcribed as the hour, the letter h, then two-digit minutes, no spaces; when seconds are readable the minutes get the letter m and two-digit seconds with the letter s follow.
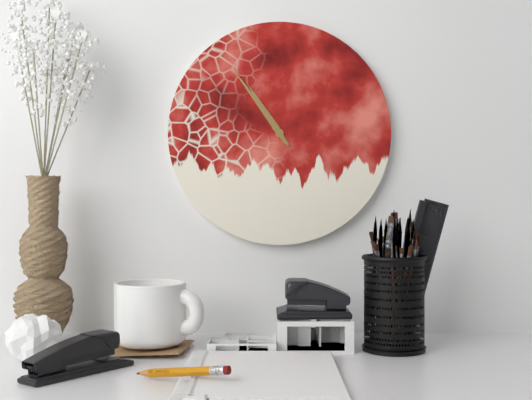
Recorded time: 10h54
